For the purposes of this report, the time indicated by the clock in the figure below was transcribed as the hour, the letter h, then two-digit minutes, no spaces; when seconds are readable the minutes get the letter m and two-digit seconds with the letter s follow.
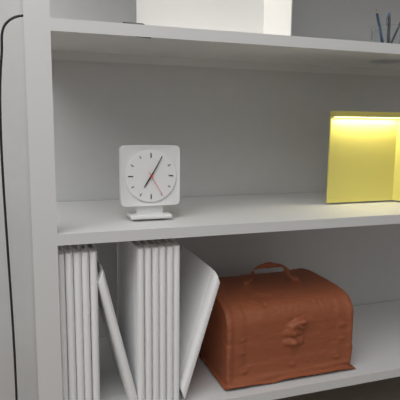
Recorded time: 7h05
